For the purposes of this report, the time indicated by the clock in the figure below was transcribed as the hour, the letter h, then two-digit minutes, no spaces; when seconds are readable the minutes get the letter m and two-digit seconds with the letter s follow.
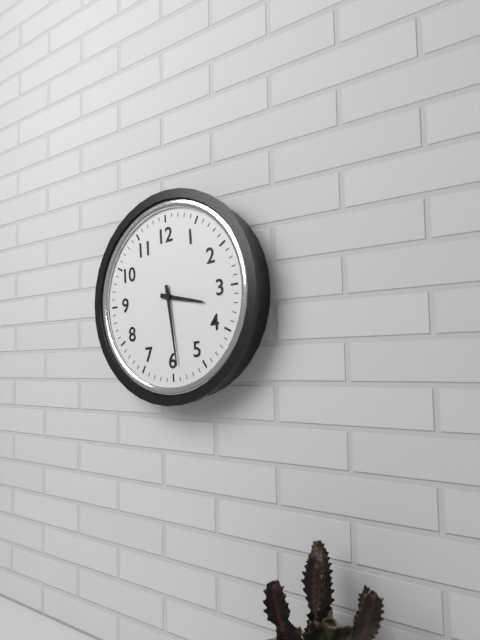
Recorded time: 3h29
